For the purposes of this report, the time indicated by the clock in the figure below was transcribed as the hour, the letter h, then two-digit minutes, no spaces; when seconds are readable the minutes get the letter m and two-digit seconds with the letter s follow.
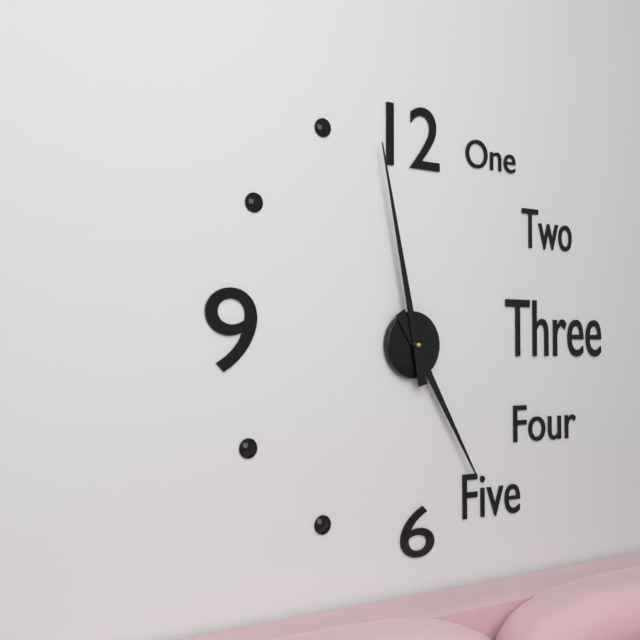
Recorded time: 4h58
